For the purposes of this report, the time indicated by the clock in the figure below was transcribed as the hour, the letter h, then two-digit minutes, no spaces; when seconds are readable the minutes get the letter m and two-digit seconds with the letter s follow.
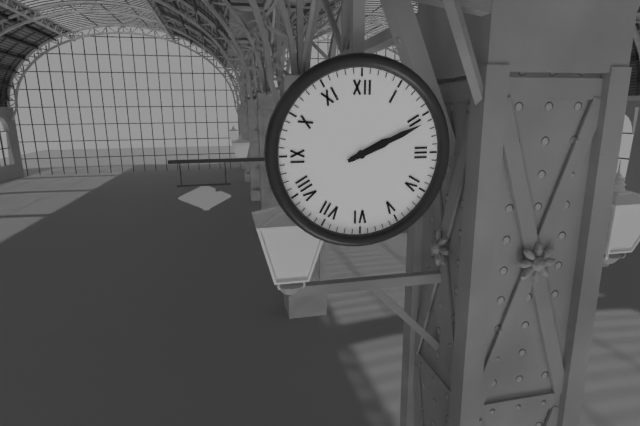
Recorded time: 2h11
